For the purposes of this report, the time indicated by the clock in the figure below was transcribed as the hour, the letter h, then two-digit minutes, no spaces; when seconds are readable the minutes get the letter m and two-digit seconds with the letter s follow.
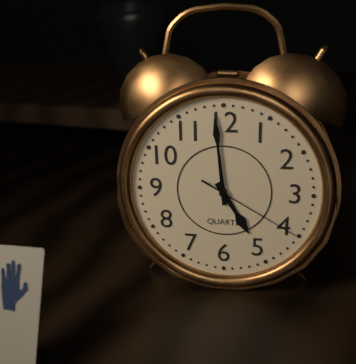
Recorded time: 4h59m20s
